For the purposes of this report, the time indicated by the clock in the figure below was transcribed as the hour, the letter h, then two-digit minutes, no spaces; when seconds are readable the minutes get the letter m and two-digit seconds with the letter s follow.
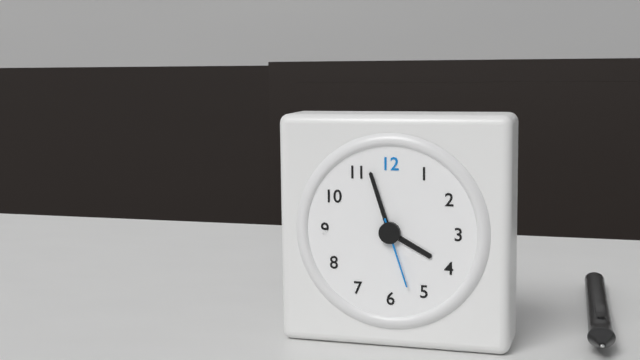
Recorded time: 3h57m27s
